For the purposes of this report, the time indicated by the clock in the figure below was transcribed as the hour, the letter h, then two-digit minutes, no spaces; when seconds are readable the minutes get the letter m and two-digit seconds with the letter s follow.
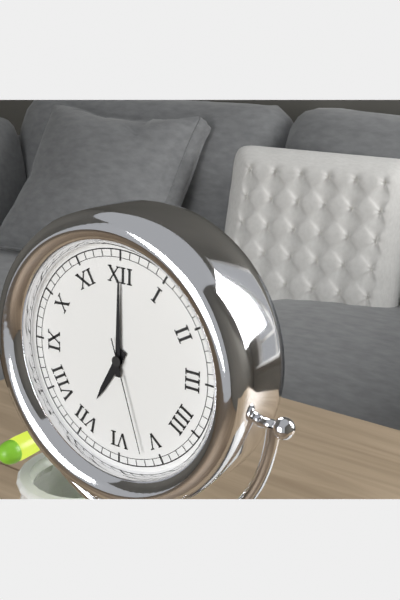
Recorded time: 7h00m27s
